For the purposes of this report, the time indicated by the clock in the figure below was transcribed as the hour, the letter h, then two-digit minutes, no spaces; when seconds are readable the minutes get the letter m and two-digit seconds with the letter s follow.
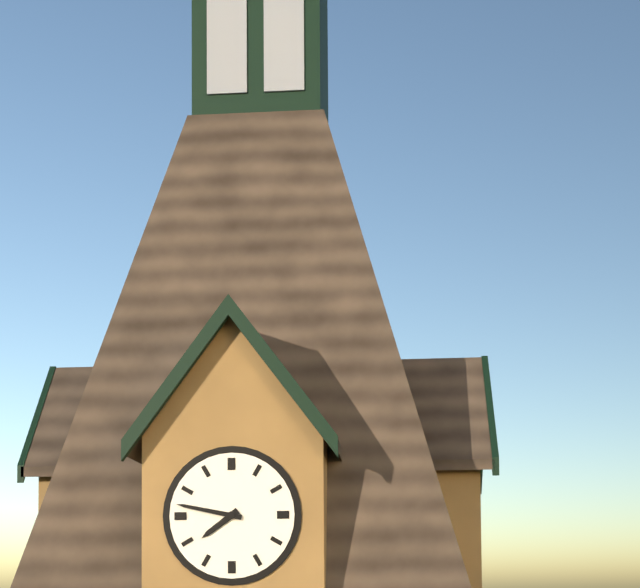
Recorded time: 7h47
